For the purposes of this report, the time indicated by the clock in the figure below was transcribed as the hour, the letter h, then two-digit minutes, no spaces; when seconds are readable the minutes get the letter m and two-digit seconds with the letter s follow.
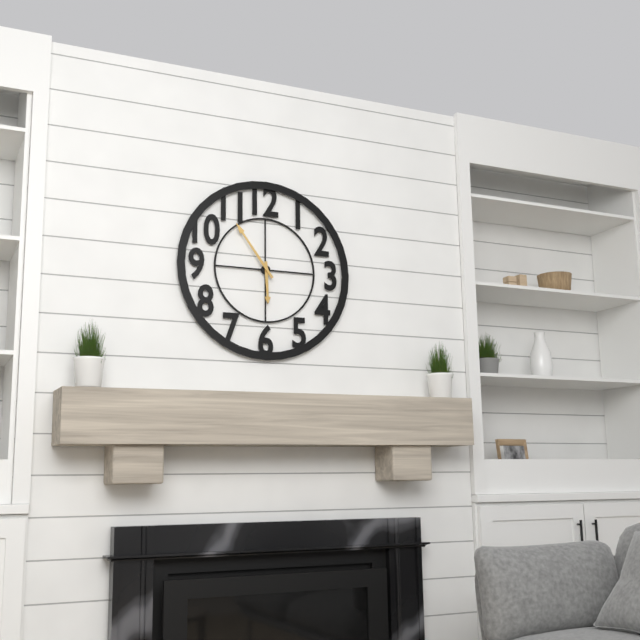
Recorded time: 5h54
